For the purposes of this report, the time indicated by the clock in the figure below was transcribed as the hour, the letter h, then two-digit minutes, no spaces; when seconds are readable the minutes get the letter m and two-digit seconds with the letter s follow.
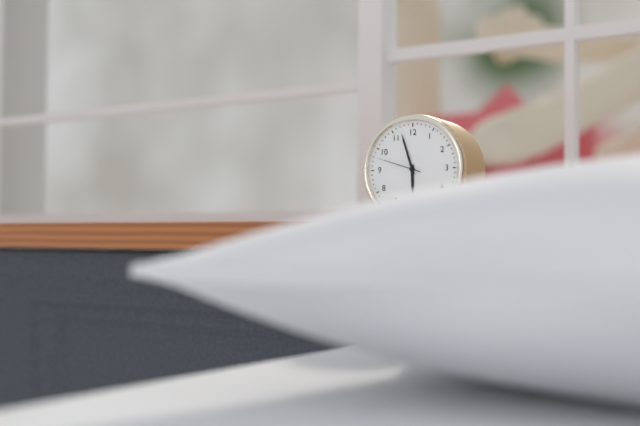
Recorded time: 5h57
